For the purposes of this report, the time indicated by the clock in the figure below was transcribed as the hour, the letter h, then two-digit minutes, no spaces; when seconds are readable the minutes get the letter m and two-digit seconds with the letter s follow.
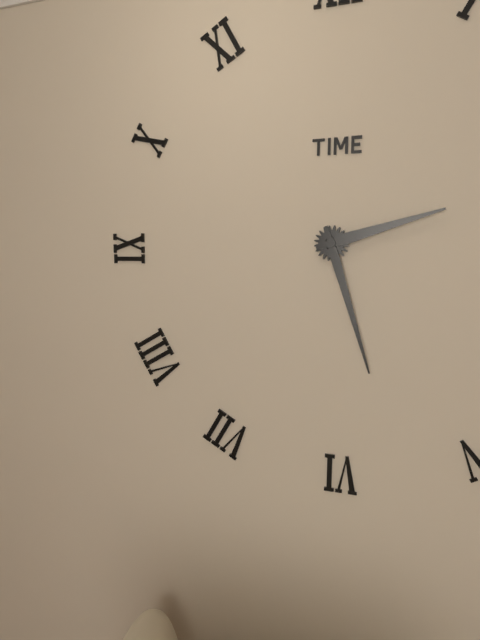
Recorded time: 2h27
